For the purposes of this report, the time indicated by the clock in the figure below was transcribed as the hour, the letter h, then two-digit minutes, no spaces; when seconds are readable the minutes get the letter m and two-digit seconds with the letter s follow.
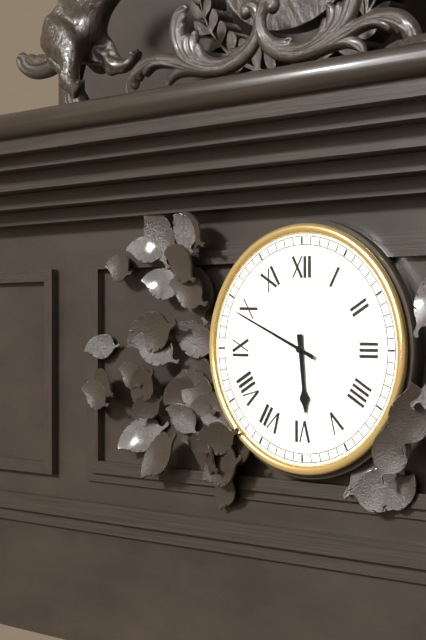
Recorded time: 5h49
